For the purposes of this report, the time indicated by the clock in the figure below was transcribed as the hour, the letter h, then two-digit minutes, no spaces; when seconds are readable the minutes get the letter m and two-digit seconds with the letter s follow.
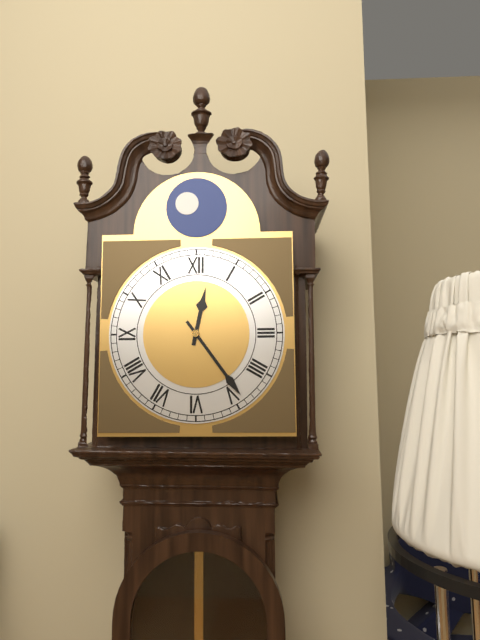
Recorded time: 12h24
